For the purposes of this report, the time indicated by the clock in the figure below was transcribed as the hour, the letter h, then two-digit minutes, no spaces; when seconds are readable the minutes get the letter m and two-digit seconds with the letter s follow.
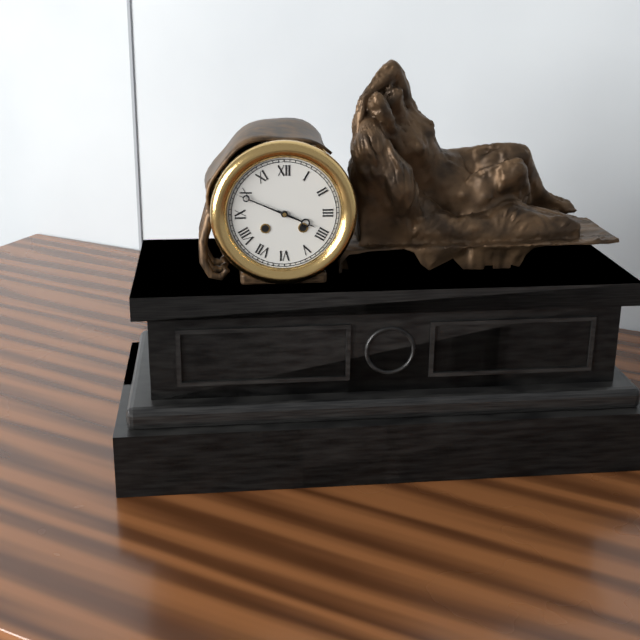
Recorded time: 3h49
